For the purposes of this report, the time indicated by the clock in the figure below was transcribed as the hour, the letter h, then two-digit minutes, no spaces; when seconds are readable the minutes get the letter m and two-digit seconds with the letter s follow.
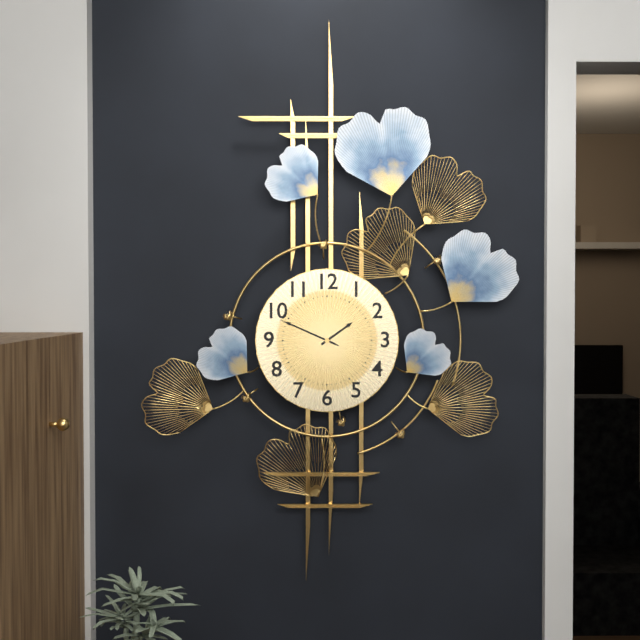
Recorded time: 1h49m49s
